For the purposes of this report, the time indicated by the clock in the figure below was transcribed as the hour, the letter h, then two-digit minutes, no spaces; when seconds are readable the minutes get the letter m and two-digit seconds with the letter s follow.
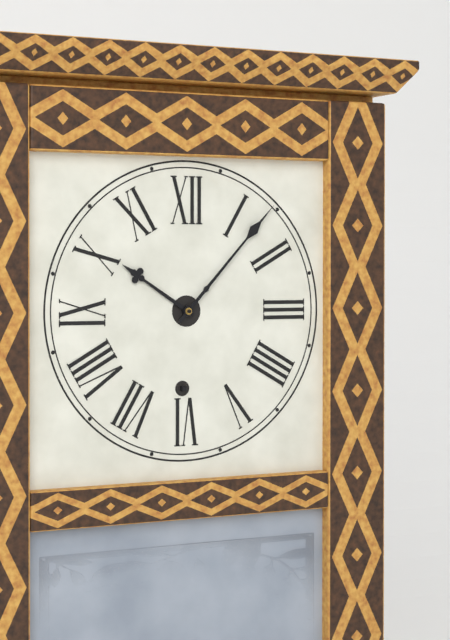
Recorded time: 10h07
